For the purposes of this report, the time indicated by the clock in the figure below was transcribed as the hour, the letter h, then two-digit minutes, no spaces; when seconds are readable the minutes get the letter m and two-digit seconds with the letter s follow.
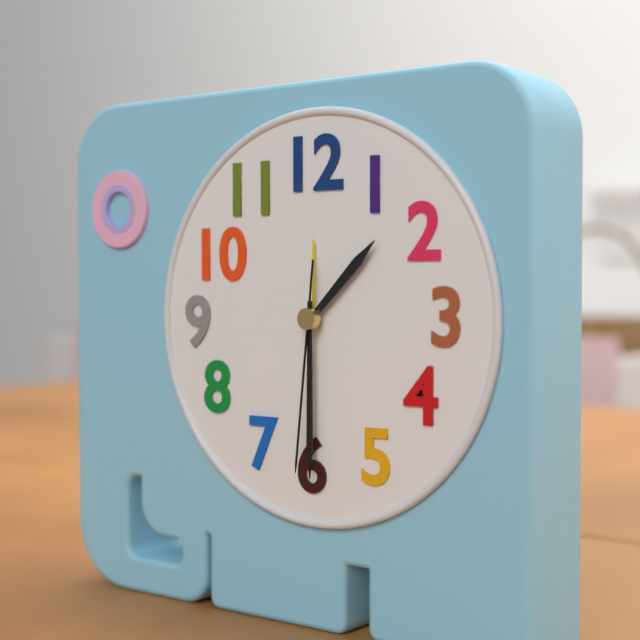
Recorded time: 1h30m31s
